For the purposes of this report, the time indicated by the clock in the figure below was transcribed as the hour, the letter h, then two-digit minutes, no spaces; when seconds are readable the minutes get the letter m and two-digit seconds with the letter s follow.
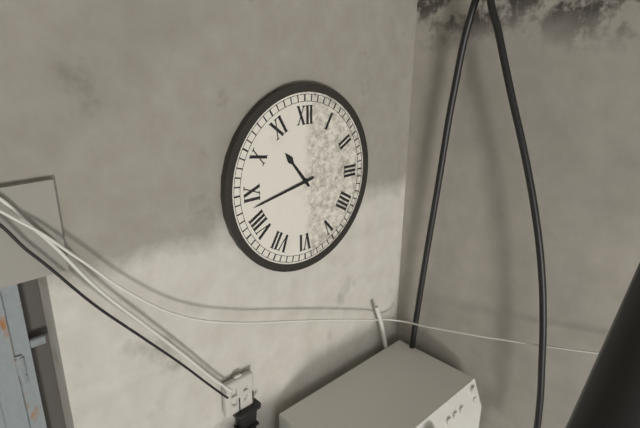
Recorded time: 10h43
